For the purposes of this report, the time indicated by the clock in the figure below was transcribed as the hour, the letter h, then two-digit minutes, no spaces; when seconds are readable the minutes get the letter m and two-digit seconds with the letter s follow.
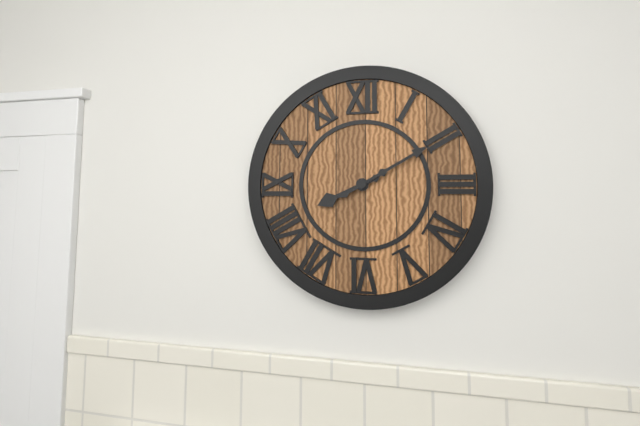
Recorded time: 8h10
